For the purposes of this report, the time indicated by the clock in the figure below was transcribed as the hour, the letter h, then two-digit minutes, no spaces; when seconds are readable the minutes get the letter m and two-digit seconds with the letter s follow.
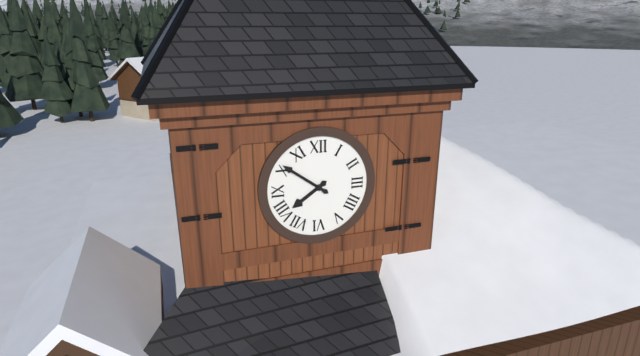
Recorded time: 7h51
